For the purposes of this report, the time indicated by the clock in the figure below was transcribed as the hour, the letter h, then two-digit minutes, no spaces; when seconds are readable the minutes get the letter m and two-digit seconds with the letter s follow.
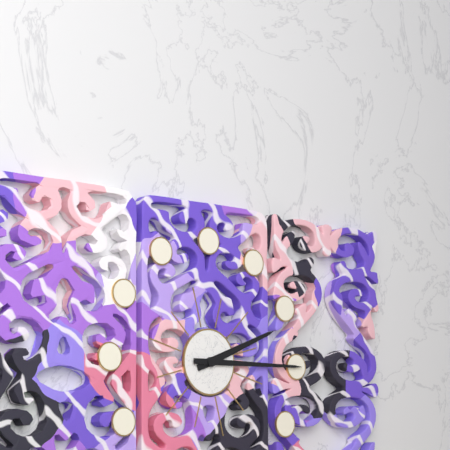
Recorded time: 2h15
